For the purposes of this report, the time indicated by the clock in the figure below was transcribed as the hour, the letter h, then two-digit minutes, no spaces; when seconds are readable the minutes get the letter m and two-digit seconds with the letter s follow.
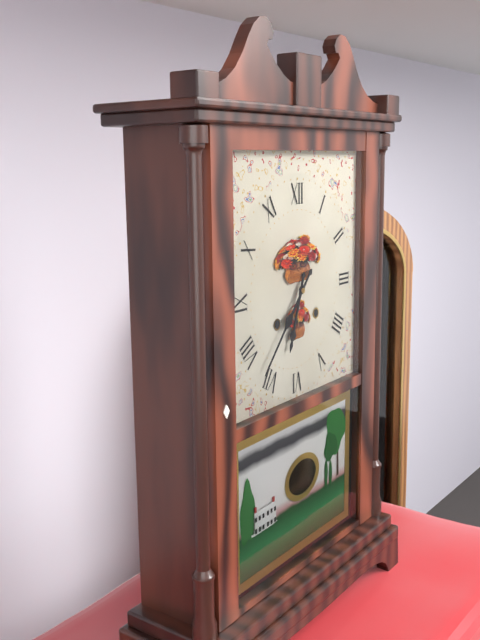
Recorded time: 6h37
